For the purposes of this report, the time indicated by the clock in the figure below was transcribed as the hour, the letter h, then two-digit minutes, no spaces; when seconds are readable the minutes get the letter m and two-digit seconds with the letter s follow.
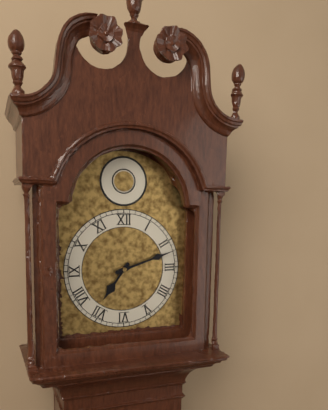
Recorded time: 7h12
